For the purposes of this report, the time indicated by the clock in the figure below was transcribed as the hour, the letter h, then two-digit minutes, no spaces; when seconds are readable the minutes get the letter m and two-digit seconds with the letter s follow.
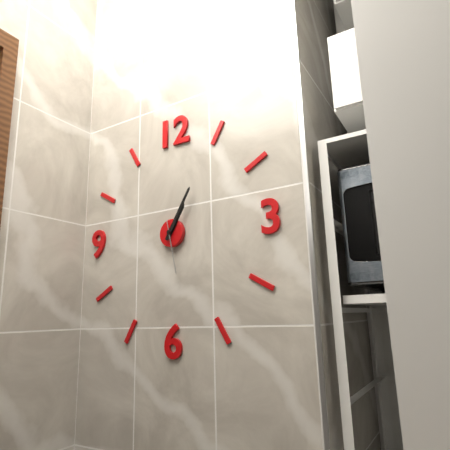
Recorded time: 1h05m28s
